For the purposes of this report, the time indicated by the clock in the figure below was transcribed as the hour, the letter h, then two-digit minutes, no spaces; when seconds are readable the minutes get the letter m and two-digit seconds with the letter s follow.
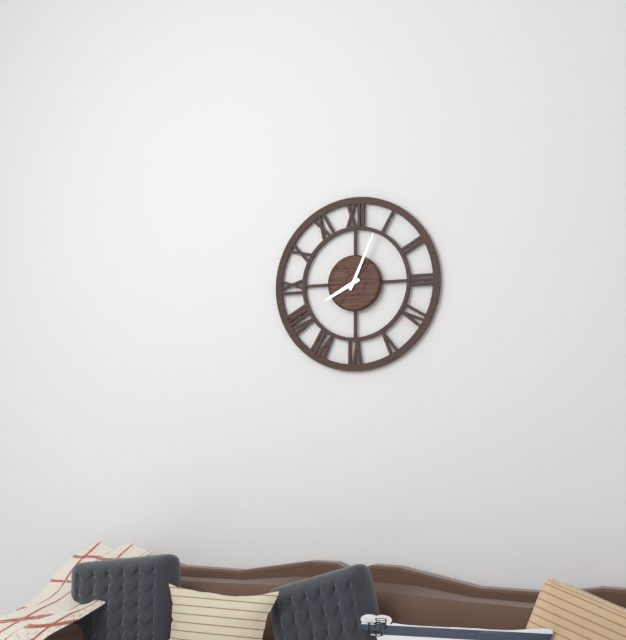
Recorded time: 8h04
